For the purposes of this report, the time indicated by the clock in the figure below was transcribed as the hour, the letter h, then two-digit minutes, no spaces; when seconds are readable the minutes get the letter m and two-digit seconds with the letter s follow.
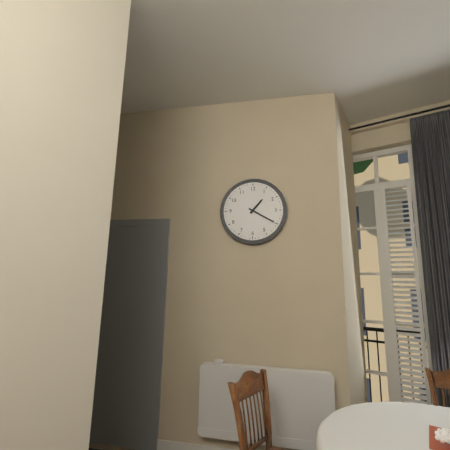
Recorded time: 1h20
